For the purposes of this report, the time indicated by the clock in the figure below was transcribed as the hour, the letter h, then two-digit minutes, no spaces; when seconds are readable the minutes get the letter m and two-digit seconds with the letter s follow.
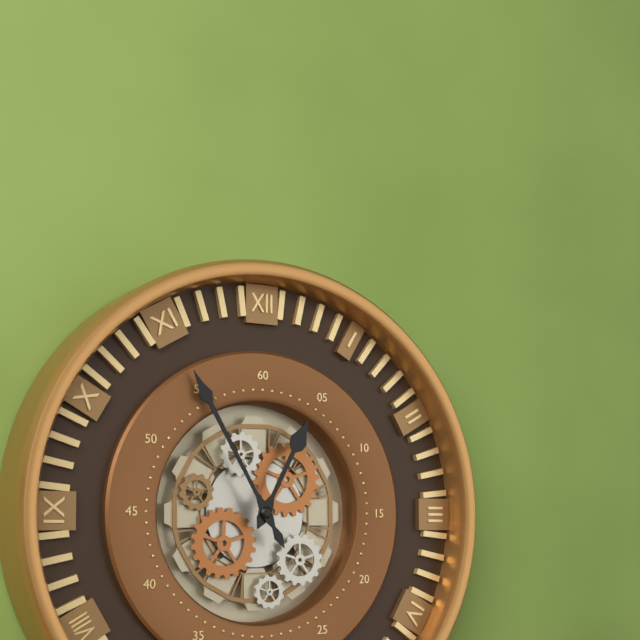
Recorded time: 12h55
